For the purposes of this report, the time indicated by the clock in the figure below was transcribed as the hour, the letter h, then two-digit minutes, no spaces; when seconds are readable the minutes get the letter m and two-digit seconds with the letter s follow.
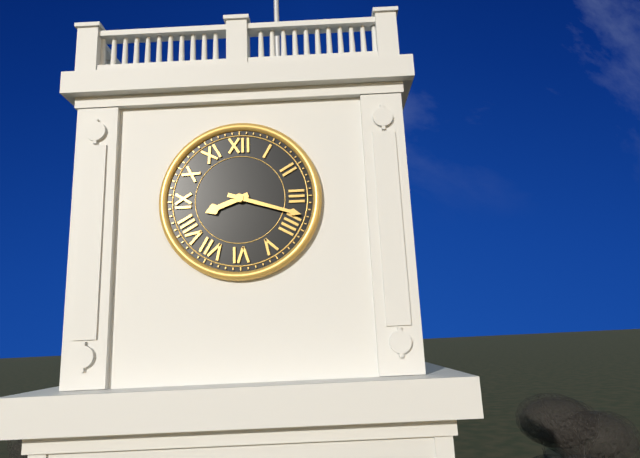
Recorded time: 8h18
